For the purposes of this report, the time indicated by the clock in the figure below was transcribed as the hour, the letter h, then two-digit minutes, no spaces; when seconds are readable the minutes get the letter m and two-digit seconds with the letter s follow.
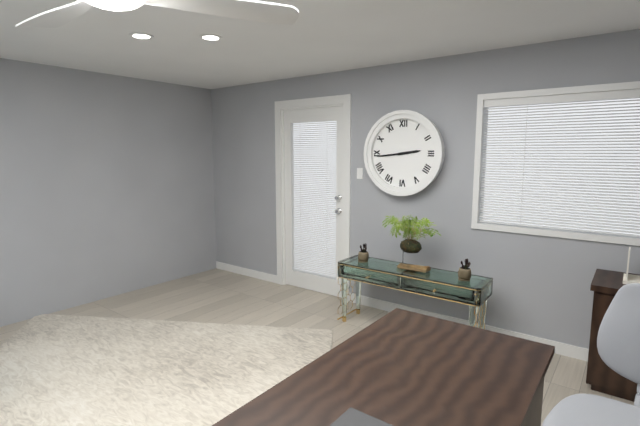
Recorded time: 2h44
